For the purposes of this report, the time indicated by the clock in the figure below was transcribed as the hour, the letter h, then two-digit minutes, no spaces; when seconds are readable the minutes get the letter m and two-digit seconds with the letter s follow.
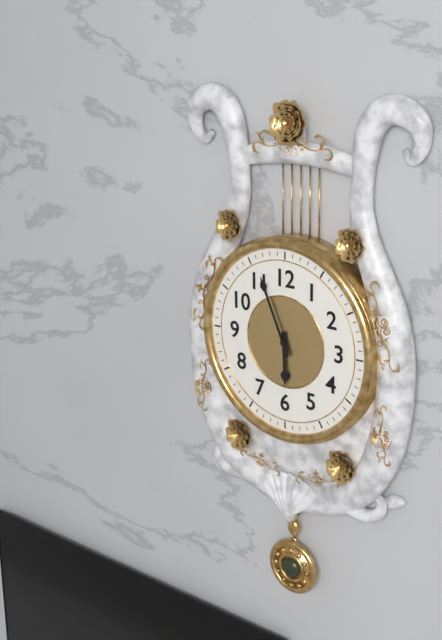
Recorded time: 5h56
